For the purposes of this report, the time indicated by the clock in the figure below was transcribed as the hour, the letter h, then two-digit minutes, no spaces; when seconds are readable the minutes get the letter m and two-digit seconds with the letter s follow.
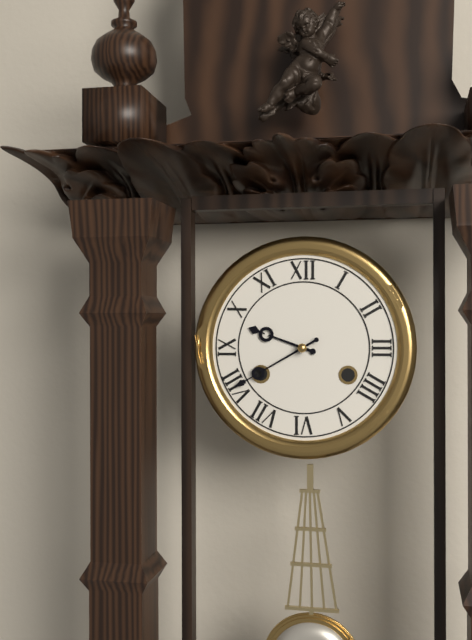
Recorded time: 9h40
